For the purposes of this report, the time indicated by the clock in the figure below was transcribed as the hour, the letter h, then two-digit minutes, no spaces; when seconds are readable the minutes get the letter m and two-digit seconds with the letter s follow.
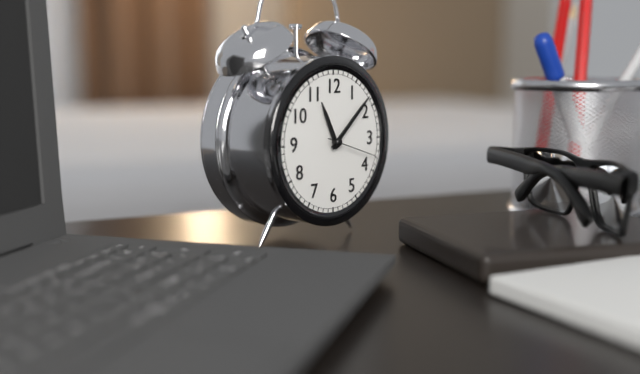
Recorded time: 11h08m18s
